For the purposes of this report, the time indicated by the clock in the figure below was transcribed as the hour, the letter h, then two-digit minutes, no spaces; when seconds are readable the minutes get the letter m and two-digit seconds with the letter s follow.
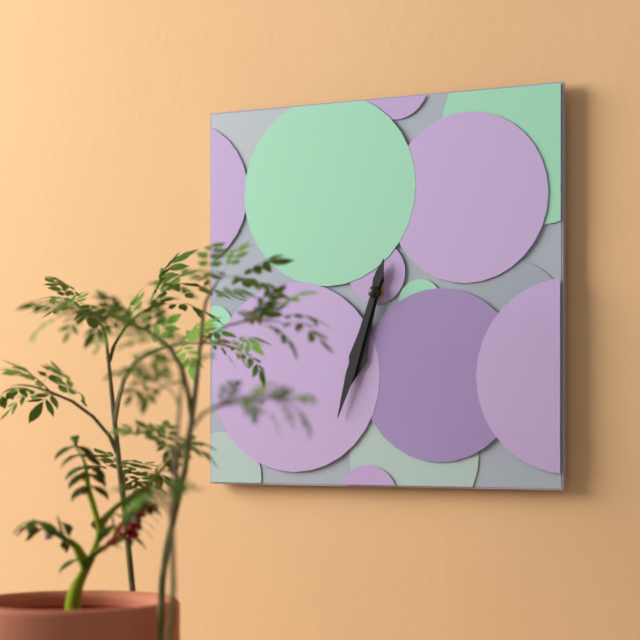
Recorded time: 6h33
